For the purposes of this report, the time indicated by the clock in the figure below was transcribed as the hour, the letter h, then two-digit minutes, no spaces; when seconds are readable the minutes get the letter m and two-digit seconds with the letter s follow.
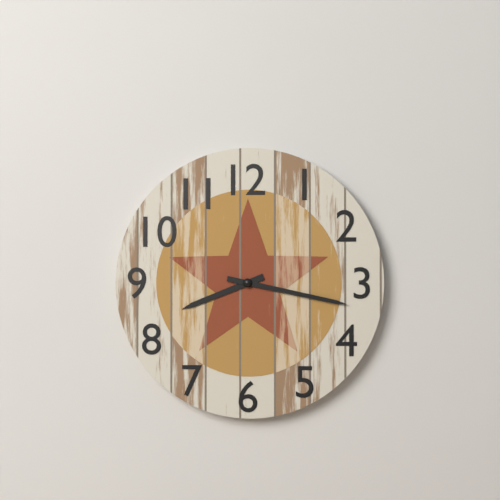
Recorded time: 8h17
